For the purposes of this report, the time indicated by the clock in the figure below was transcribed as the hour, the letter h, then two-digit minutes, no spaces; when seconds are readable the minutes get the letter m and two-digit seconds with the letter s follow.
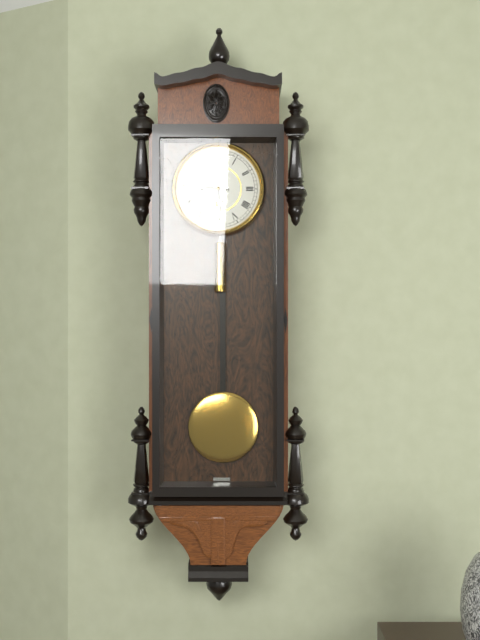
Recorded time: 5h46
